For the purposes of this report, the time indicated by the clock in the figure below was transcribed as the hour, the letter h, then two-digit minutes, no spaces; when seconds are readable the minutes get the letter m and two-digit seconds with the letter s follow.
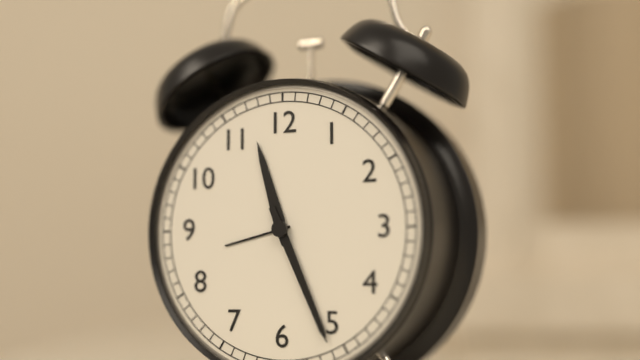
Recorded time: 11h26
